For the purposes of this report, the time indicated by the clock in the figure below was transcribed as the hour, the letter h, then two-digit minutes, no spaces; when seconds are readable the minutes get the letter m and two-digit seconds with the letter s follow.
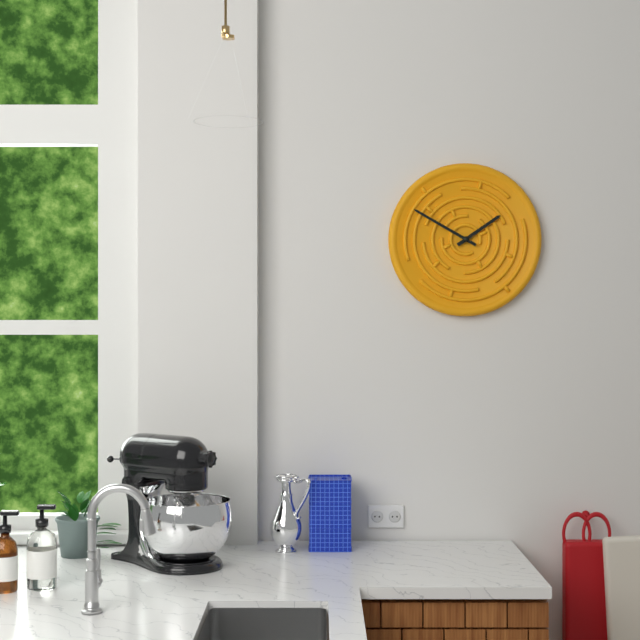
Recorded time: 1h50
